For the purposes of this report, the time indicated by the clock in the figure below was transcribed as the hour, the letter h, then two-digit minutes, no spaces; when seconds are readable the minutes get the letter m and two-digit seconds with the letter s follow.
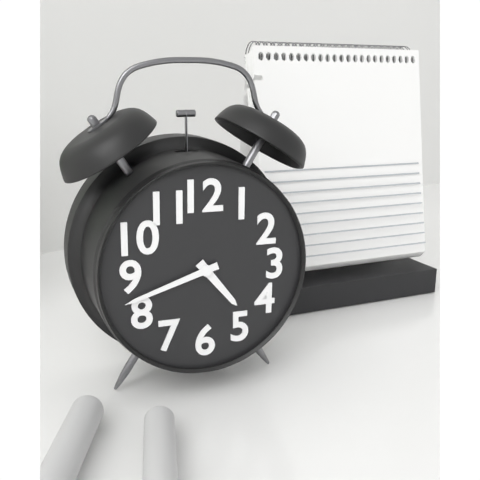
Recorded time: 4h42
